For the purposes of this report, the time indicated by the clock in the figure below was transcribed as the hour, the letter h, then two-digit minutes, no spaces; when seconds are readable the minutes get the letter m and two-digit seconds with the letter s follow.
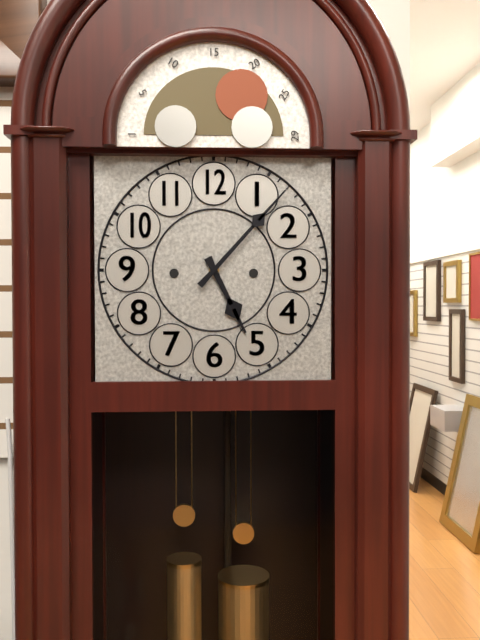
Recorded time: 5h07
